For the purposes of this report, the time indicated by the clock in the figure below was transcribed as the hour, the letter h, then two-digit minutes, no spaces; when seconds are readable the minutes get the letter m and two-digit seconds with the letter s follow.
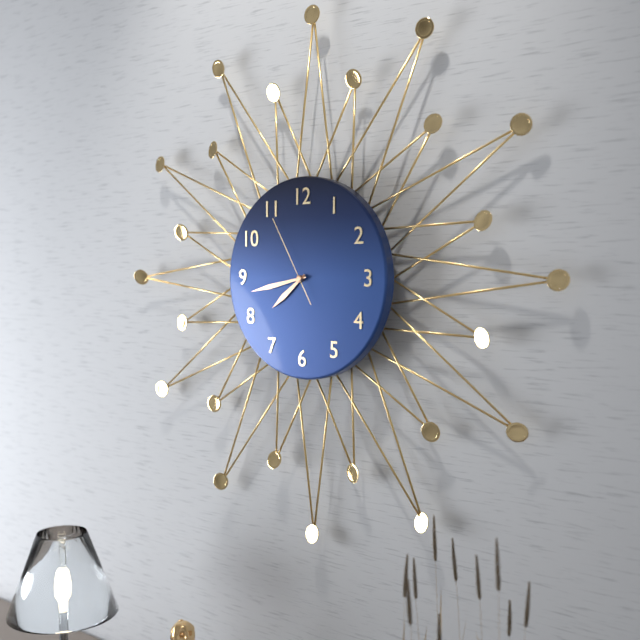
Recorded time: 7h43m55s
